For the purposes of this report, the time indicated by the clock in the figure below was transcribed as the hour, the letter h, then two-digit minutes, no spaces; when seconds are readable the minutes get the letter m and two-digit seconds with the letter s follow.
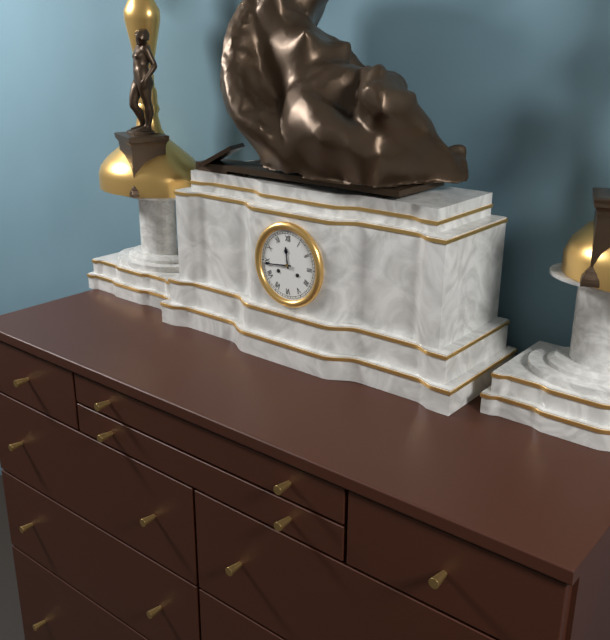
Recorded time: 11h44
